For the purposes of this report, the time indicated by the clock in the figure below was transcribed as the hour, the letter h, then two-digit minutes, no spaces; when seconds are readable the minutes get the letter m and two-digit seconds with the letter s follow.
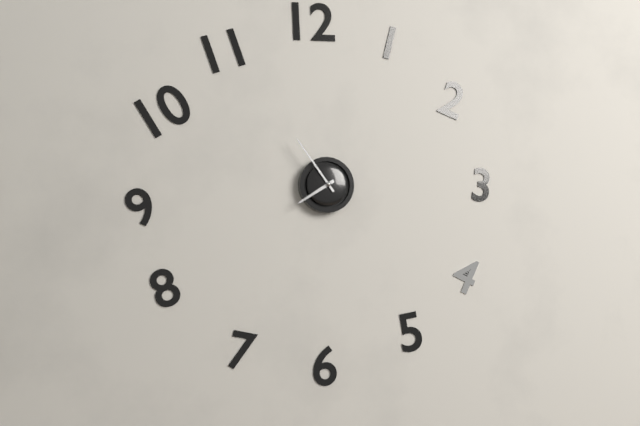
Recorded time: 7h54
